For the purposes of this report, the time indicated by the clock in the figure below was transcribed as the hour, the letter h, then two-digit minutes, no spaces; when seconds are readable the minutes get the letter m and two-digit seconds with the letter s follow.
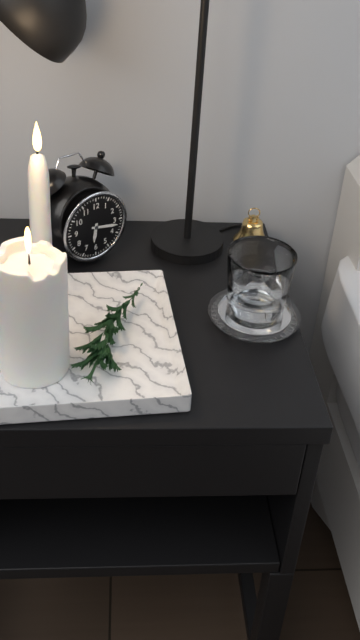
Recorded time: 6h17
